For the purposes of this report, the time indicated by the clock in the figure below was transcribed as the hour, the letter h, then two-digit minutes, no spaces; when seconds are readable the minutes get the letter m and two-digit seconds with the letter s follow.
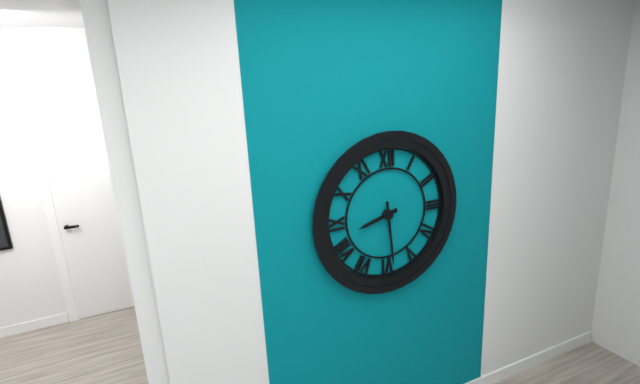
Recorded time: 8h29
